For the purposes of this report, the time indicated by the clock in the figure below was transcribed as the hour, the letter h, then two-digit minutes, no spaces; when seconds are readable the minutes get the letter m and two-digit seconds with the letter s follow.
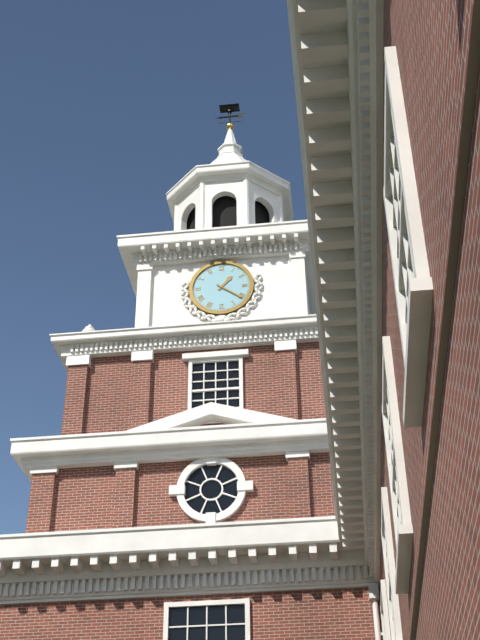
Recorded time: 1h21
